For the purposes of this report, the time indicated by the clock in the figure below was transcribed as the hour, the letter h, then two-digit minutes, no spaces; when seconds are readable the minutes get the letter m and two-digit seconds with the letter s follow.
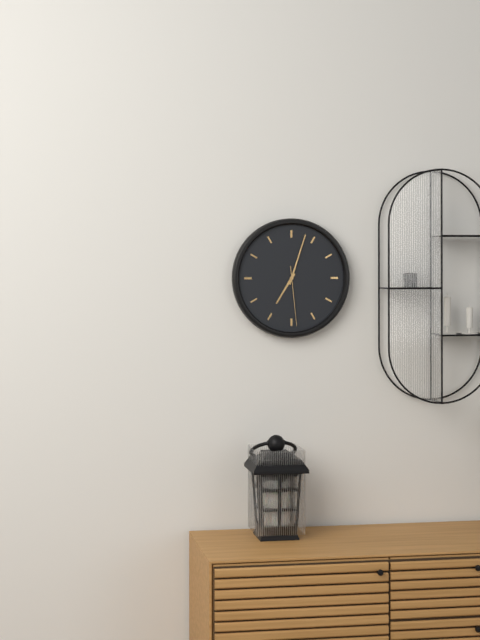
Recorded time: 7h03m29s
